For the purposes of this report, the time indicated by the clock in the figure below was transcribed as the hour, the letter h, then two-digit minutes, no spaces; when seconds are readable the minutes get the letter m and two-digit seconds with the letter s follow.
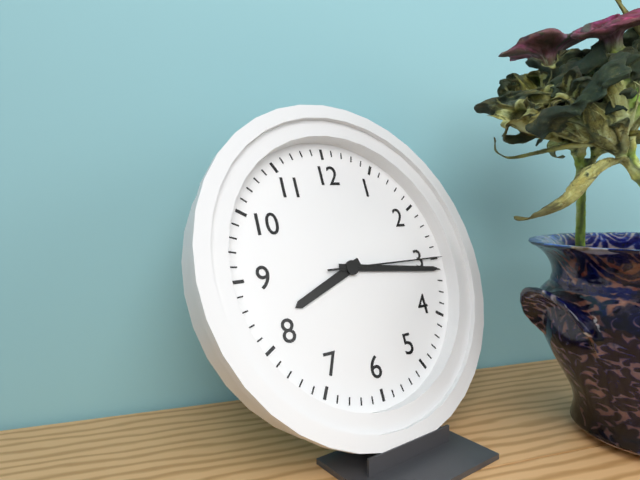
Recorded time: 8h16m15s
